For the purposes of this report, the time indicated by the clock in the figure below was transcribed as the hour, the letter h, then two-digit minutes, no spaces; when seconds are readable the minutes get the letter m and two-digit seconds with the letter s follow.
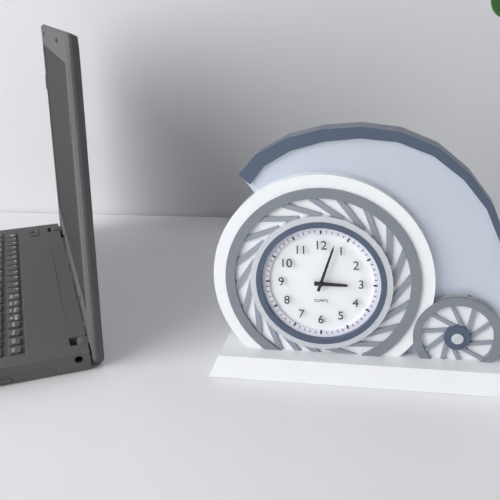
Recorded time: 3h03
